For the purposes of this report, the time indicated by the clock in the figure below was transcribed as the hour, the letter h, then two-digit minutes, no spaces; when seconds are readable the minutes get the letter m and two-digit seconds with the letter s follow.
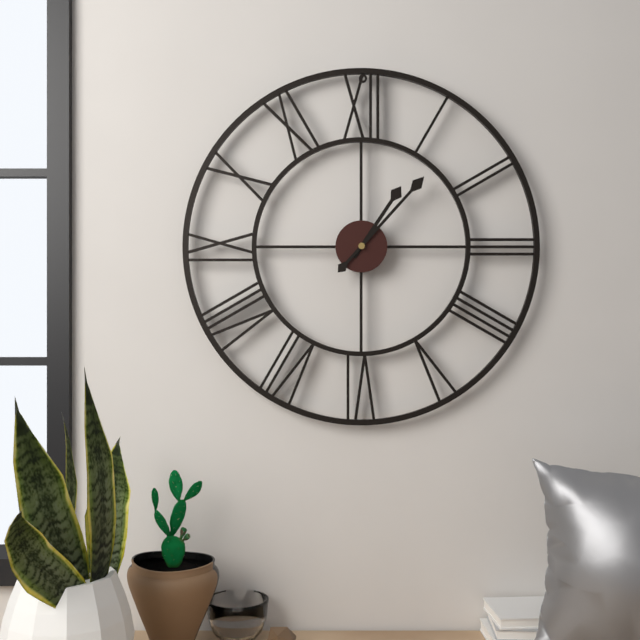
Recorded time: 1h07
